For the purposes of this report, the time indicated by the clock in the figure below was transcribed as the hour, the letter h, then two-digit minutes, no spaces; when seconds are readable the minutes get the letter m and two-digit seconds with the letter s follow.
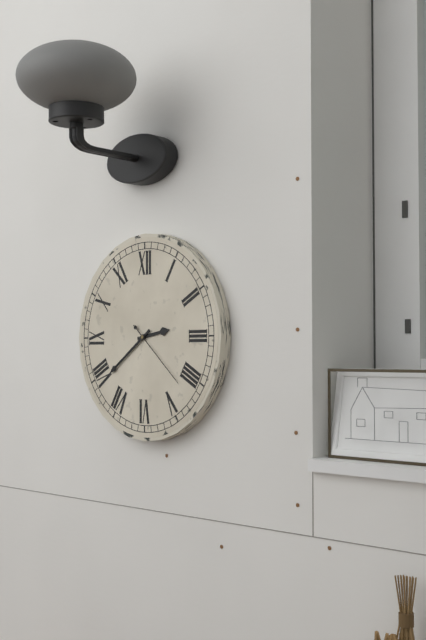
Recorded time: 2h39m22s
